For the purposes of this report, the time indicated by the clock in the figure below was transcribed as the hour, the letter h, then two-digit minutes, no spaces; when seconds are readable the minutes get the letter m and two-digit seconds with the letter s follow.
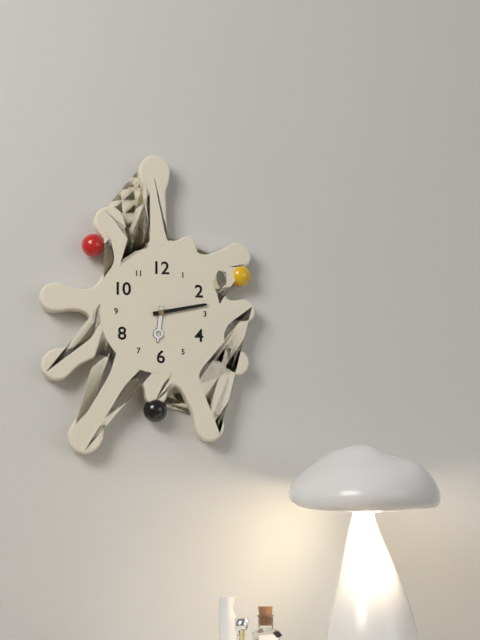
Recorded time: 6h13
